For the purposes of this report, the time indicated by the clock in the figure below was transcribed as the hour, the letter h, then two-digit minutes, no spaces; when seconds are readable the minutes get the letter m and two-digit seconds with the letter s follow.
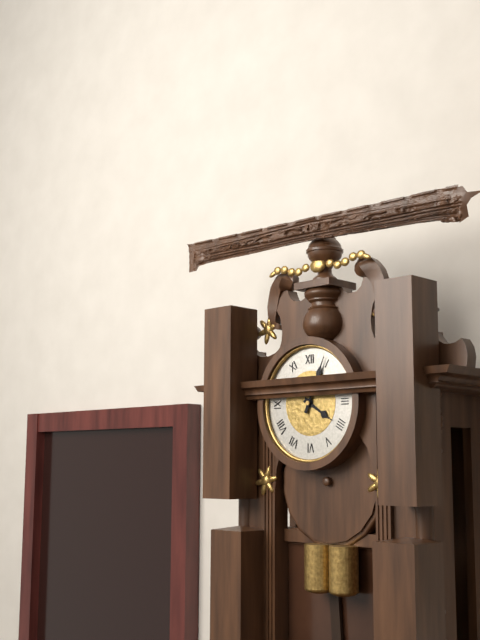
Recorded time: 4h04
